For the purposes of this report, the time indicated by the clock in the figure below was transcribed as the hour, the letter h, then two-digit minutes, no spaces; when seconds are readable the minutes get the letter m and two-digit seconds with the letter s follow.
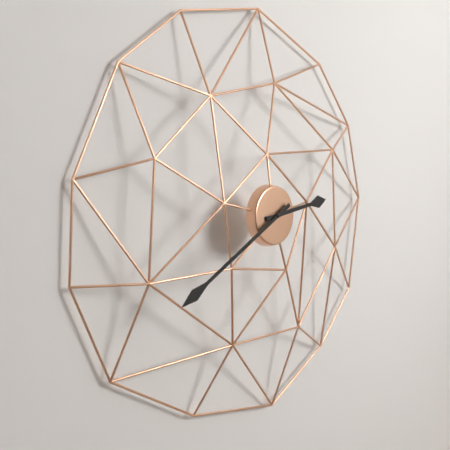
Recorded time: 2h40
